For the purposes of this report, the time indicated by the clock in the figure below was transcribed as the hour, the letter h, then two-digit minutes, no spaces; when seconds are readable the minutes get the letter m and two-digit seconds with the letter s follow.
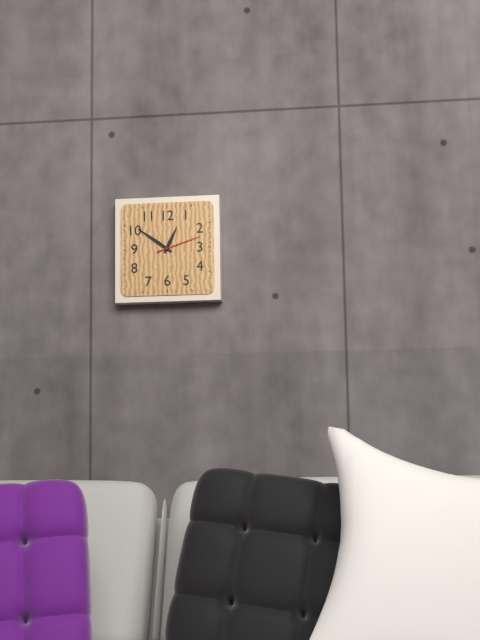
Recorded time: 12h51
